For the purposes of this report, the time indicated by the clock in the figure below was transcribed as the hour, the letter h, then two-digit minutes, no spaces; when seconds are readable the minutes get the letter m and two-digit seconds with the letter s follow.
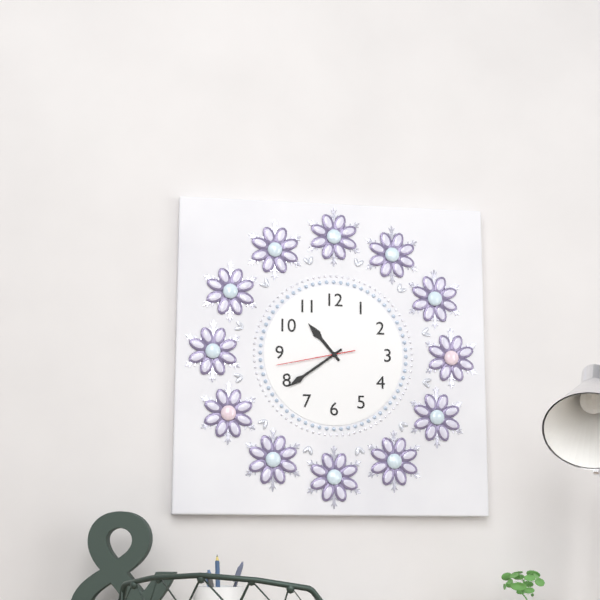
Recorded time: 10h39m43s
